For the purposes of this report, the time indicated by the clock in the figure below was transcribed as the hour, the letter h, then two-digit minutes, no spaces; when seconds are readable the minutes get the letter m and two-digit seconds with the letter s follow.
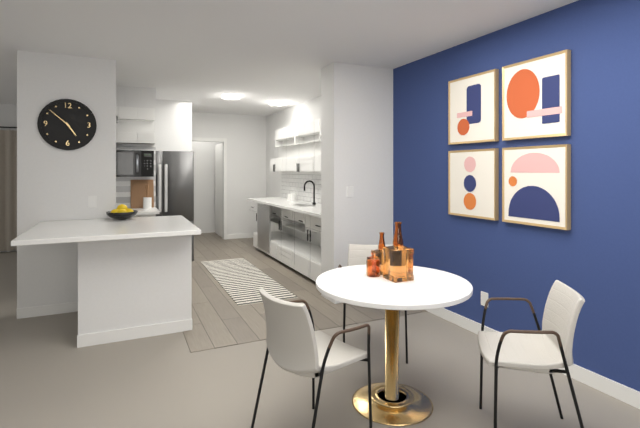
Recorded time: 4h52
